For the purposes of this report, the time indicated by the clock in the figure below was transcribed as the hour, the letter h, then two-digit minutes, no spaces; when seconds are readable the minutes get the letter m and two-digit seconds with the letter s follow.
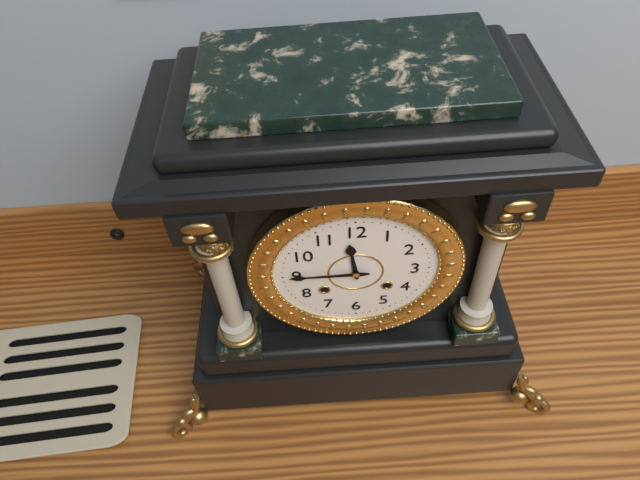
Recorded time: 11h45
